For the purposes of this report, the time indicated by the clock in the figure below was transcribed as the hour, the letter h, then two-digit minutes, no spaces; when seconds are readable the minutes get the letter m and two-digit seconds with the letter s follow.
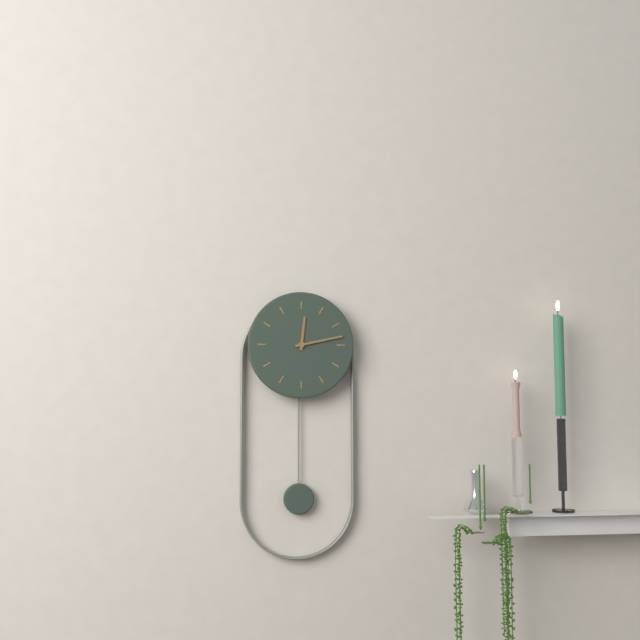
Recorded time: 12h13
